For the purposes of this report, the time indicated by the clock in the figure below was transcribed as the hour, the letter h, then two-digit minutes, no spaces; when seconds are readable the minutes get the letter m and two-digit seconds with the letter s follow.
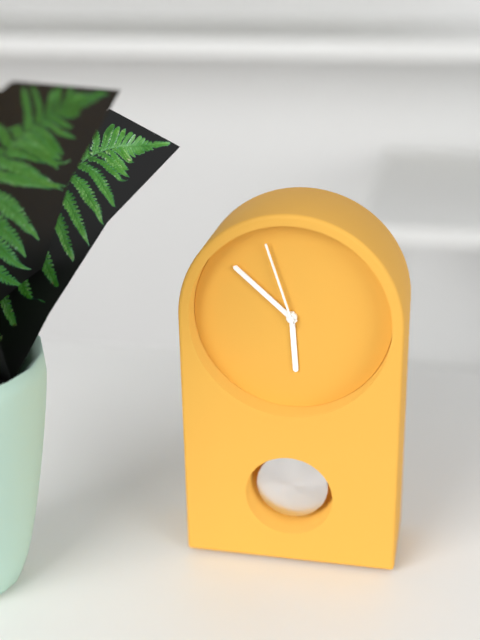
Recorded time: 5h52m57s
